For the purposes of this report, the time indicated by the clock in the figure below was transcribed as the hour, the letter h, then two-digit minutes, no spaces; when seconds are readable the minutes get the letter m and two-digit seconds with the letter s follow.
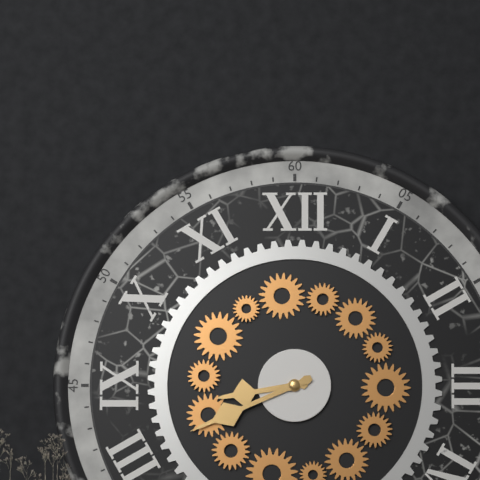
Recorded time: 8h41
